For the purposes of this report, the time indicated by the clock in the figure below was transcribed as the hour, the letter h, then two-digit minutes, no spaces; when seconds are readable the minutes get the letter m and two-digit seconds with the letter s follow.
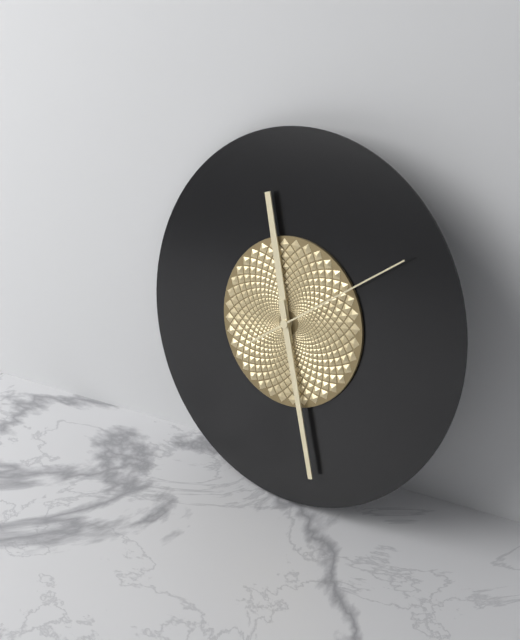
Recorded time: 11h27m09s
